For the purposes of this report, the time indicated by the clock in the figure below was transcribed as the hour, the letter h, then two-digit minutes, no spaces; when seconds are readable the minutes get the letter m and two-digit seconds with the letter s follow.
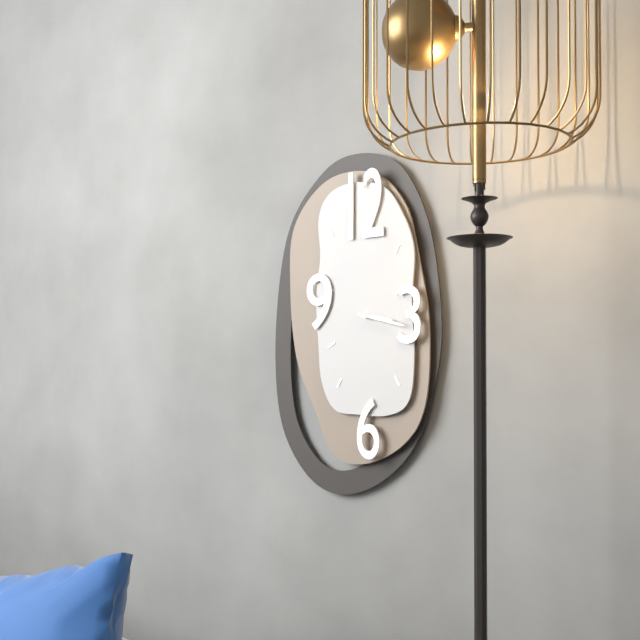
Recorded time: 3h17
